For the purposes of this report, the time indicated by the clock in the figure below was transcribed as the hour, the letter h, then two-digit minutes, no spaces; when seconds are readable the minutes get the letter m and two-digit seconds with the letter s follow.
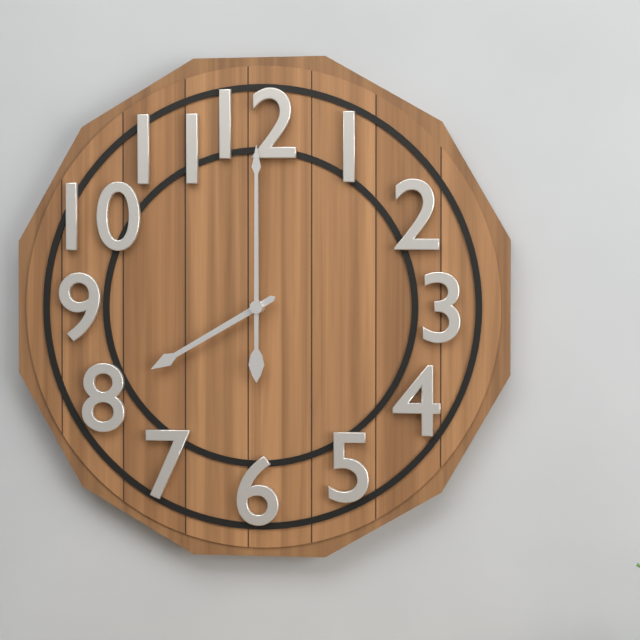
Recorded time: 8h00
